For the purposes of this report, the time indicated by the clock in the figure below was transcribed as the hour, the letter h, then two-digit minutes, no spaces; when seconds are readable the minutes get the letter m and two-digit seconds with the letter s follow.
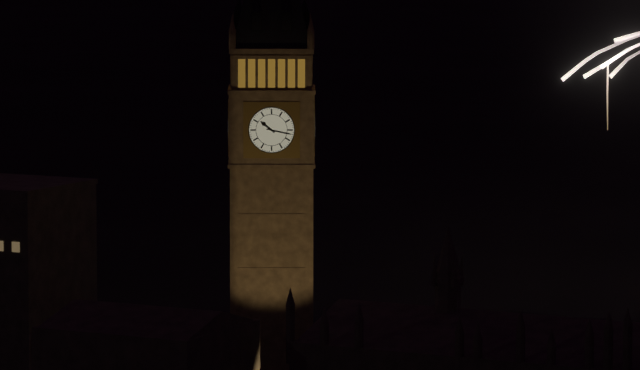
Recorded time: 10h17
